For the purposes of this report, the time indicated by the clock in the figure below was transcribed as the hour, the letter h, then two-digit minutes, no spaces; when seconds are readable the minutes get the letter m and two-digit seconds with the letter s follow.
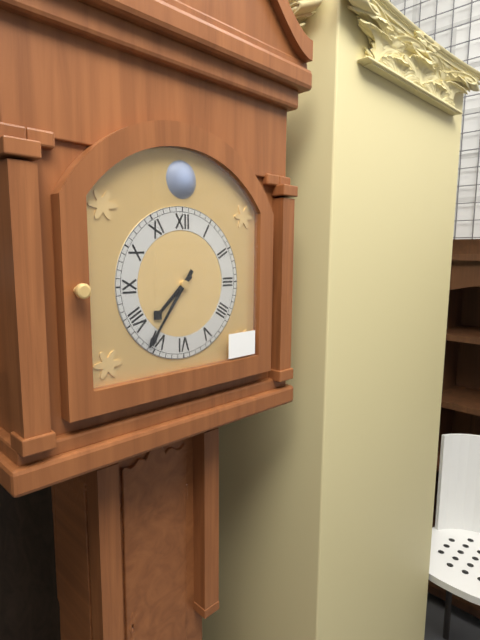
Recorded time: 7h36
